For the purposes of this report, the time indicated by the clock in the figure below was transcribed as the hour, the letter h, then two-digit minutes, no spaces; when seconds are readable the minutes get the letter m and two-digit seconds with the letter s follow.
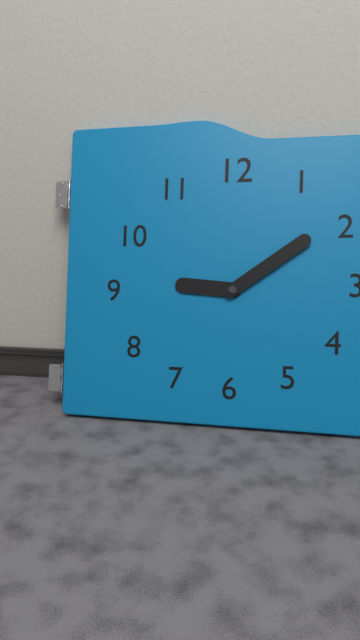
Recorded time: 9h09
